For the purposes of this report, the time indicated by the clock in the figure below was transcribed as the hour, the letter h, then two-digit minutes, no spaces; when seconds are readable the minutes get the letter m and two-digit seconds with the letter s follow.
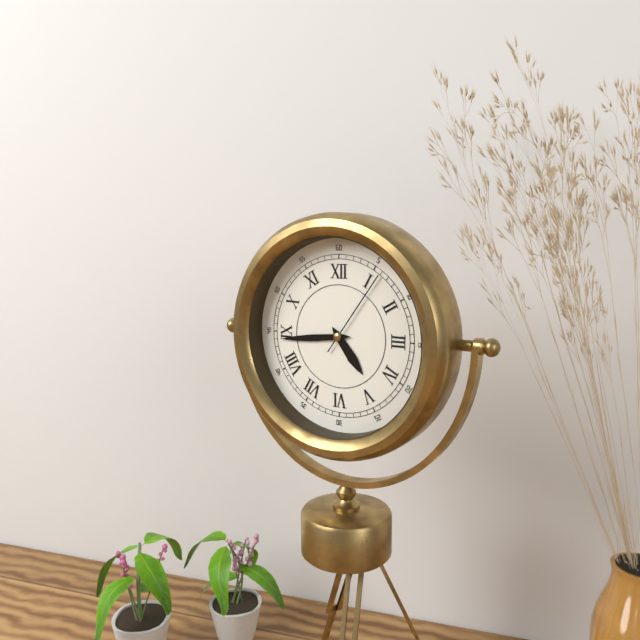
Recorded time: 4h44m06s
